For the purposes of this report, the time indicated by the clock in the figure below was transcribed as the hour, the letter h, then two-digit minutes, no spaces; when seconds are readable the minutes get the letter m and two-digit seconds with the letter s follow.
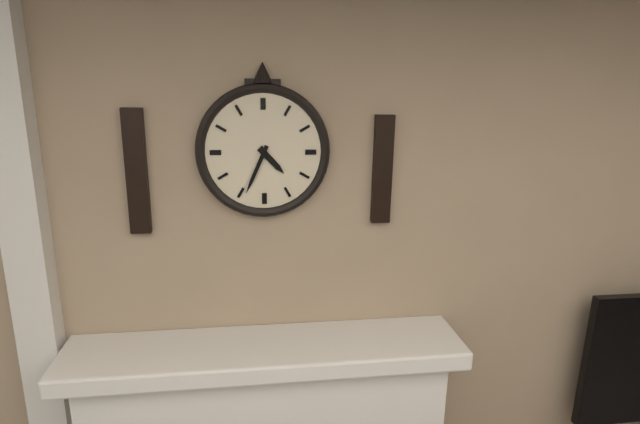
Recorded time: 4h34
